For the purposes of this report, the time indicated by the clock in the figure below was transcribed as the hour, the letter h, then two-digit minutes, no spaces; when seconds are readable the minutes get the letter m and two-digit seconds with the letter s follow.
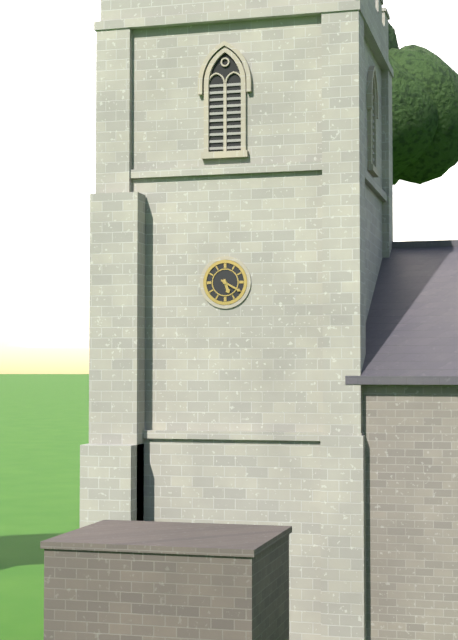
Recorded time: 5h20
